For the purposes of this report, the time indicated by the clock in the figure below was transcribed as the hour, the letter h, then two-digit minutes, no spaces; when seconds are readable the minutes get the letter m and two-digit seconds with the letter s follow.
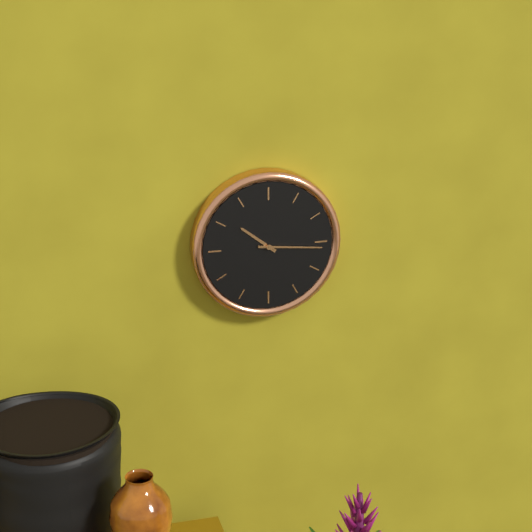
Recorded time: 10h16
